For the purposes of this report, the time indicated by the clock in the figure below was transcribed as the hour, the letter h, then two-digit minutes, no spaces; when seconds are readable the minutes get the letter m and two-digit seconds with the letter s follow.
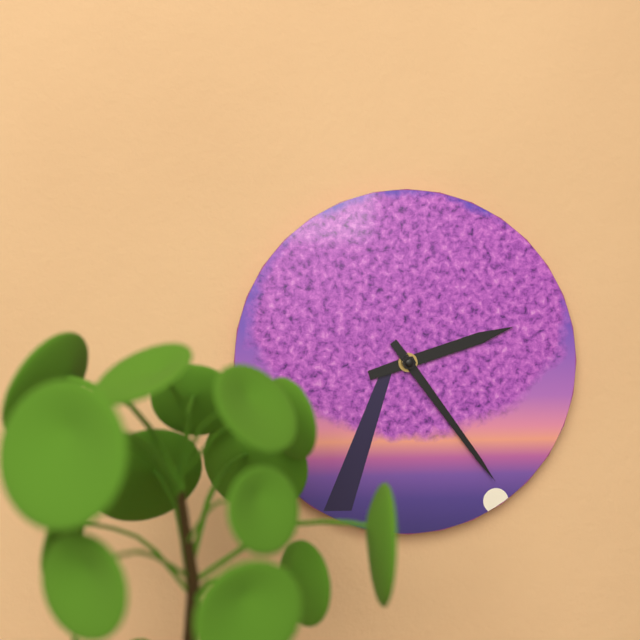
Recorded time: 2h24
